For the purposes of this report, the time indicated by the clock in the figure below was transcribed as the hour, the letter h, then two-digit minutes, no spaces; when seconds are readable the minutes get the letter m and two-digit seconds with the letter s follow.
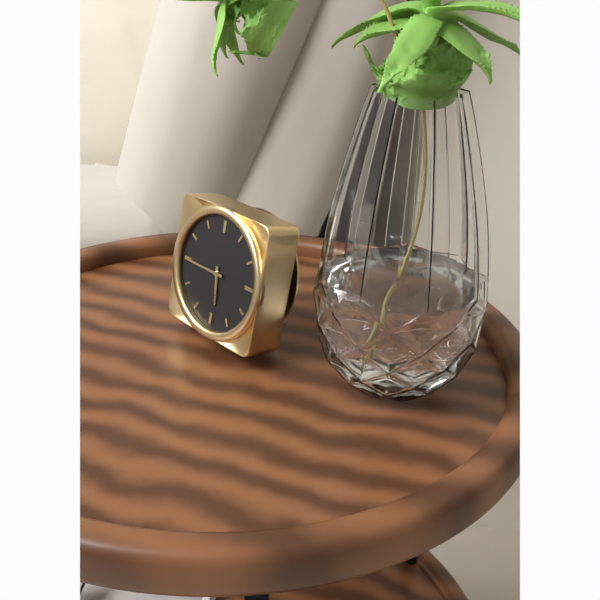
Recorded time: 5h45
